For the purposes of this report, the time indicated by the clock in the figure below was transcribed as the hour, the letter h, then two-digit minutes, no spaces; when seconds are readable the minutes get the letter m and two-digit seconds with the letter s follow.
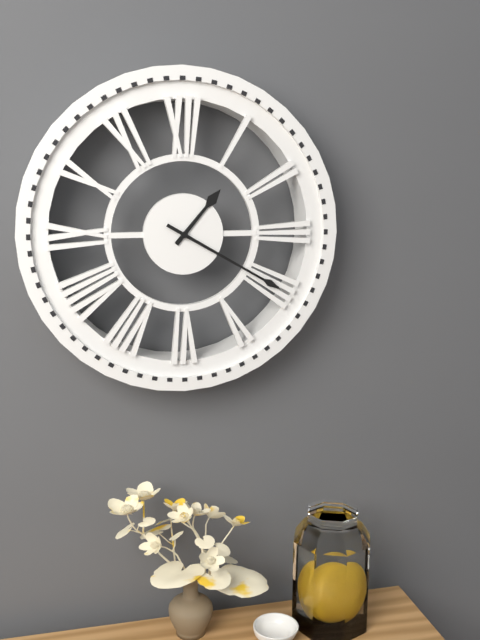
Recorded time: 1h20
